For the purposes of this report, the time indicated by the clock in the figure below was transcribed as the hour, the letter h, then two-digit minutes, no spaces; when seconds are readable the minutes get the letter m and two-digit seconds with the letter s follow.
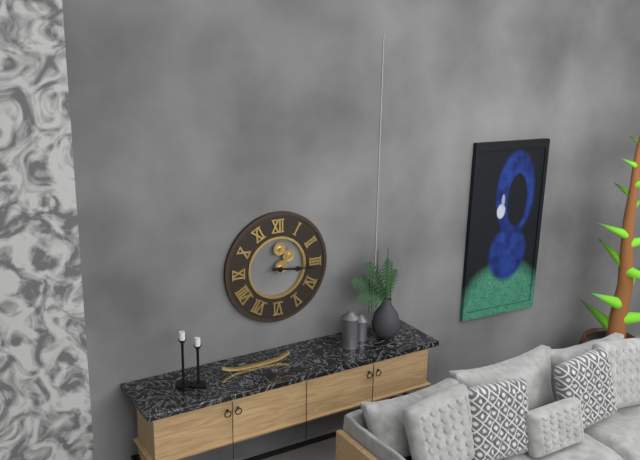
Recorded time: 3h16
